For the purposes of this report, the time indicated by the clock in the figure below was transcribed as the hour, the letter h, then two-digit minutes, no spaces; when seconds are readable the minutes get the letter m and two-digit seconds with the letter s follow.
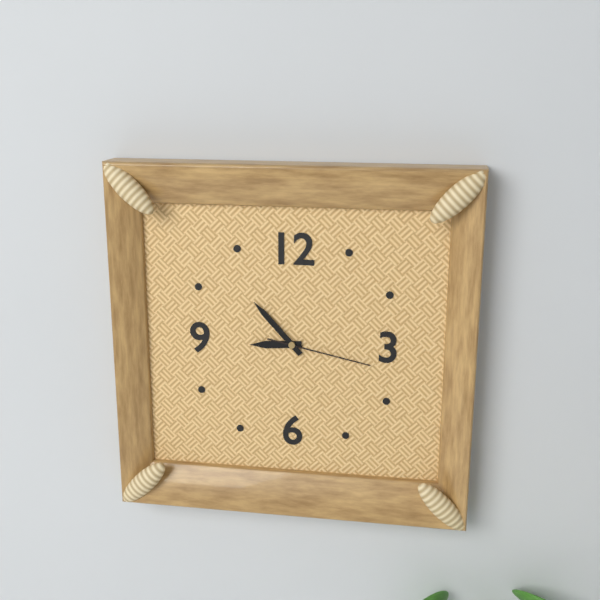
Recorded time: 8h53m17s
